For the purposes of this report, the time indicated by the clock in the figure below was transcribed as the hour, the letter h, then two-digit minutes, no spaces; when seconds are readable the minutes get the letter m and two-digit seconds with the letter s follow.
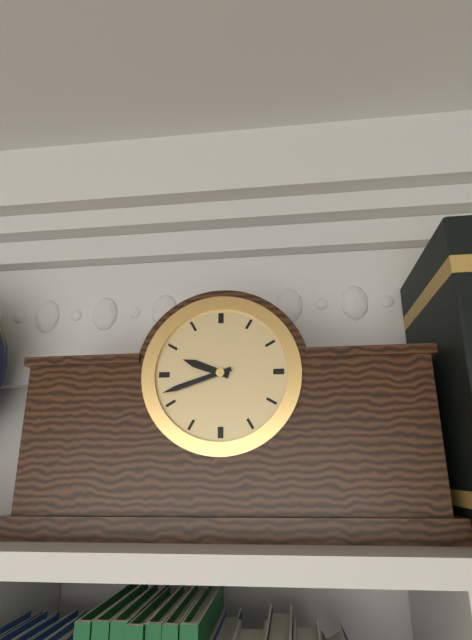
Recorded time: 9h42
